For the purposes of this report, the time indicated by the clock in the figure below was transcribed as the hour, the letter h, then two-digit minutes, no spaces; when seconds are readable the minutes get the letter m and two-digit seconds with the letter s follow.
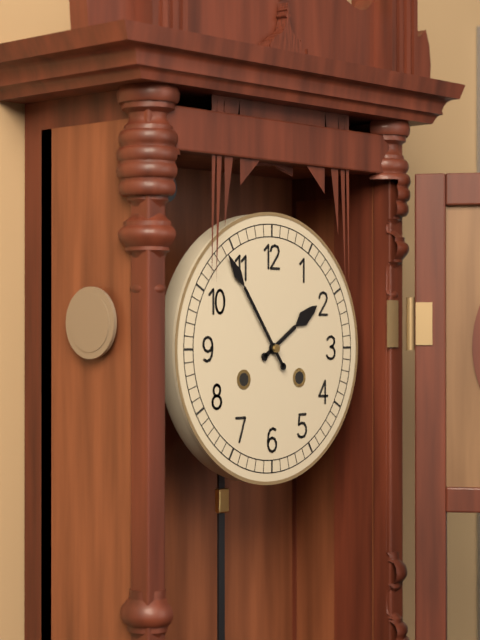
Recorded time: 1h54
